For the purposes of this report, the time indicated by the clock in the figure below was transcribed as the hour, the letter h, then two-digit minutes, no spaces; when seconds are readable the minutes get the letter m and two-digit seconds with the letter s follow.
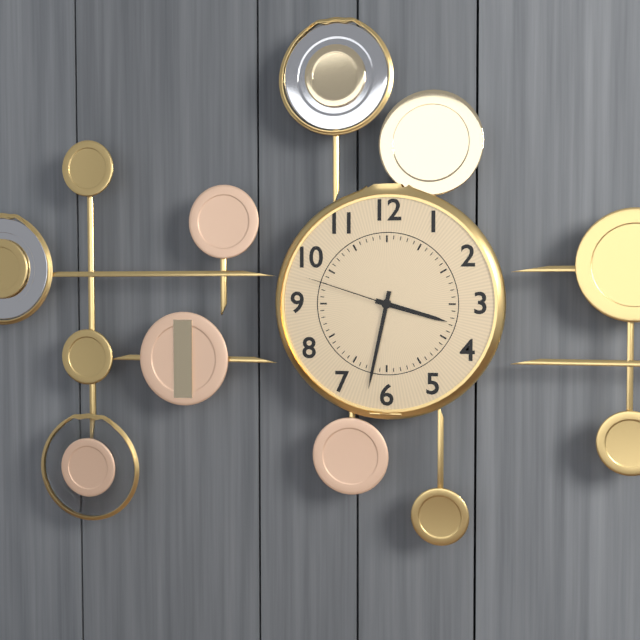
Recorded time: 3h32m48s
